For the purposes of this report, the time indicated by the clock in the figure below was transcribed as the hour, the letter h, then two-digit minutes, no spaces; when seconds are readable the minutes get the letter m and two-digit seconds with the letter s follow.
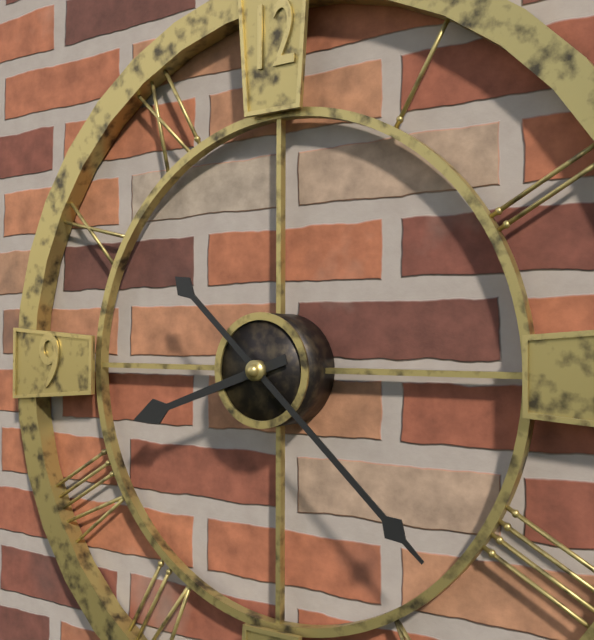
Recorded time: 8h22
